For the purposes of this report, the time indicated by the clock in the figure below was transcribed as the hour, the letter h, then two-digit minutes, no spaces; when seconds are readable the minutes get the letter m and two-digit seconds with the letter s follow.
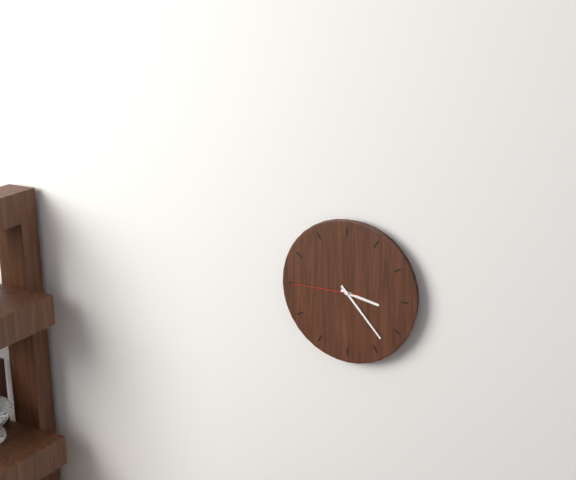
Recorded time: 3h23m45s
